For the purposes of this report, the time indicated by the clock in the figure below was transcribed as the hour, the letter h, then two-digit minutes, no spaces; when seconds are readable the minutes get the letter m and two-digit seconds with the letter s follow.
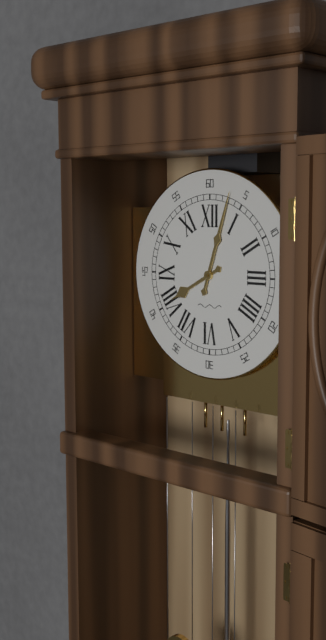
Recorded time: 8h03
